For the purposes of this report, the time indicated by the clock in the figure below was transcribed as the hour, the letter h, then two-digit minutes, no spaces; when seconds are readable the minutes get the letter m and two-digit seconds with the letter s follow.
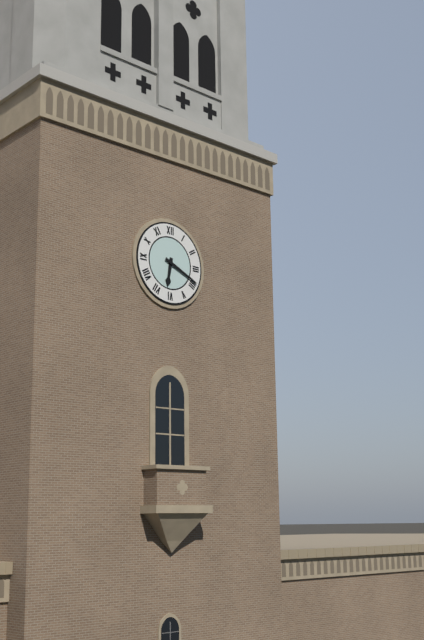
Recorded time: 6h19
